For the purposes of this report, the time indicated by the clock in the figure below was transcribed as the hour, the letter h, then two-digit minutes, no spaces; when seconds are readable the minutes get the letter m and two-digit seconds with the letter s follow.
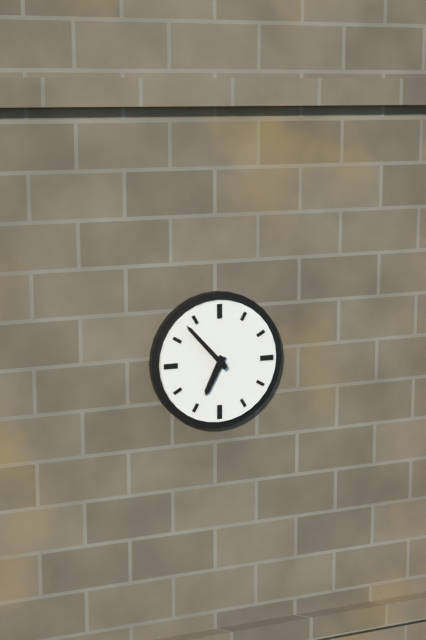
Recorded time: 6h53
